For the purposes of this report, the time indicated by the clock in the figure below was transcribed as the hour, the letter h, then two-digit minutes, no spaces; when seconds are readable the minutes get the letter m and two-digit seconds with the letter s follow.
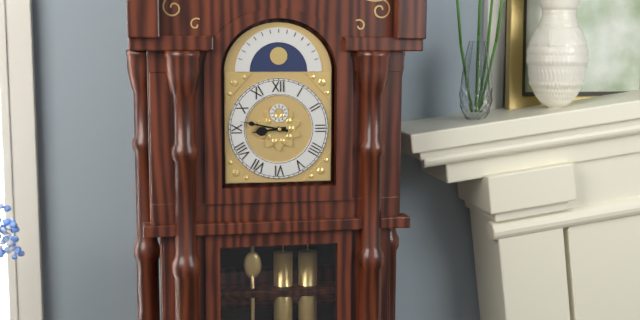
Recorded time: 8h47
